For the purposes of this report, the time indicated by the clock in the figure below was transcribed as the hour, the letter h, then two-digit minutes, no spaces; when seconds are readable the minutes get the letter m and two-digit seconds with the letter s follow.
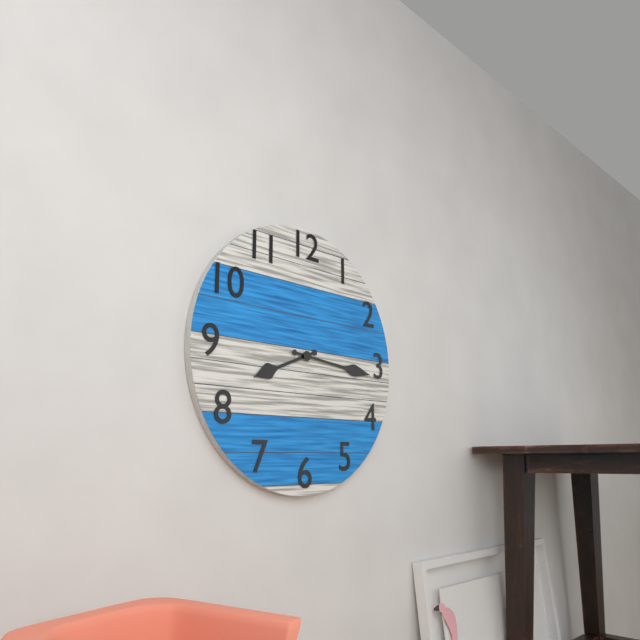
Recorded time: 8h16
